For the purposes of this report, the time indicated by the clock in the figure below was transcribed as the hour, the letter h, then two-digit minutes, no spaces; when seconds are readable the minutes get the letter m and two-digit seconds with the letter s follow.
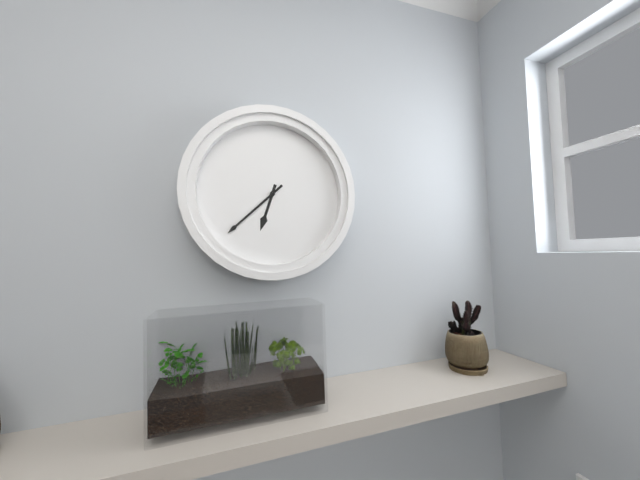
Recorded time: 6h38
